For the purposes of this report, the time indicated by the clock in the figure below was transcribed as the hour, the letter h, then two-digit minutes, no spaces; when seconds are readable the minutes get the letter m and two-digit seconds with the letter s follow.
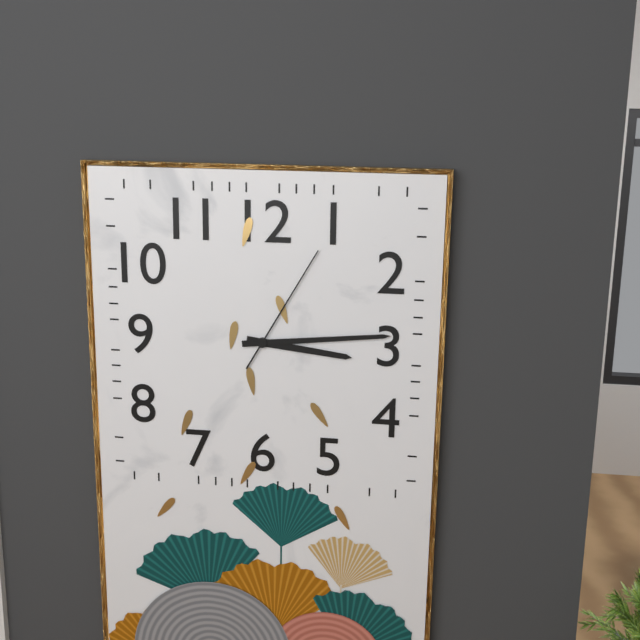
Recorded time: 3h14m05s
